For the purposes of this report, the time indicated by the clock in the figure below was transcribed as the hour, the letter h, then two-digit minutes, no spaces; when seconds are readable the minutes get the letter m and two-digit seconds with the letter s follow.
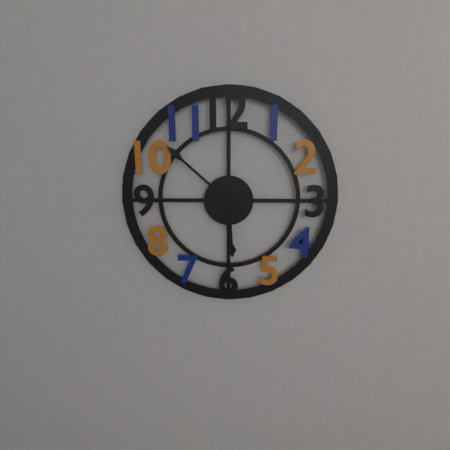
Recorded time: 5h52
